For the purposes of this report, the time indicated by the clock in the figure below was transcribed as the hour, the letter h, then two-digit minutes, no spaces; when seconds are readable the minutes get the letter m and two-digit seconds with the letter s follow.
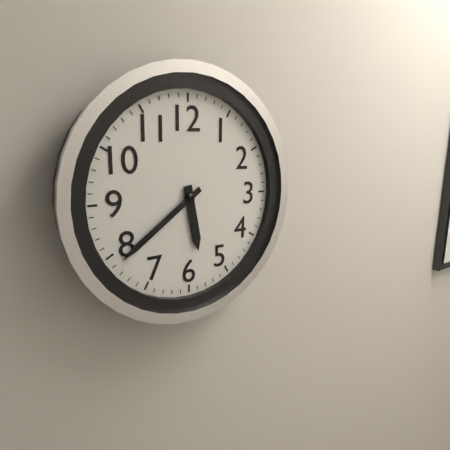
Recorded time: 5h39
